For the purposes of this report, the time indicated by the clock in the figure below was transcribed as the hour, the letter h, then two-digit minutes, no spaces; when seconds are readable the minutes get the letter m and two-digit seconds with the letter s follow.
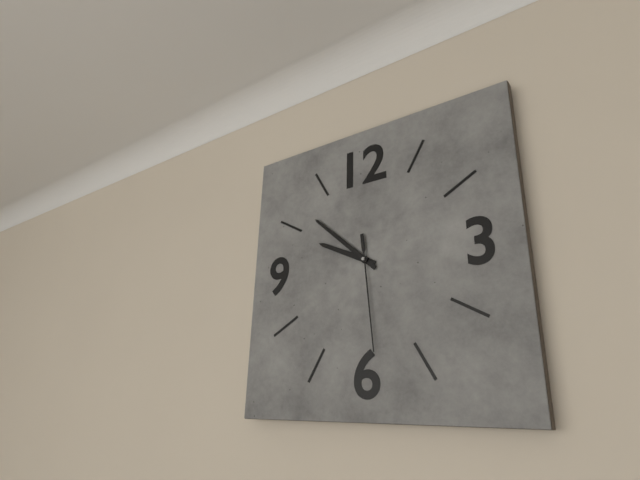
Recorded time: 9h52m29s
